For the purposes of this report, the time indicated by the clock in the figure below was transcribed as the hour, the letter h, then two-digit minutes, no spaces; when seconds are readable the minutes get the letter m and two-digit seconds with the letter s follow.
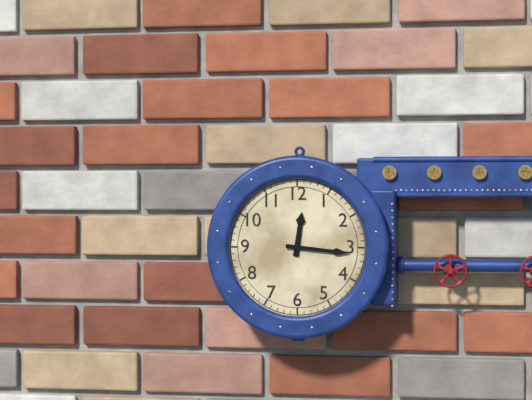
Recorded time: 12h16
